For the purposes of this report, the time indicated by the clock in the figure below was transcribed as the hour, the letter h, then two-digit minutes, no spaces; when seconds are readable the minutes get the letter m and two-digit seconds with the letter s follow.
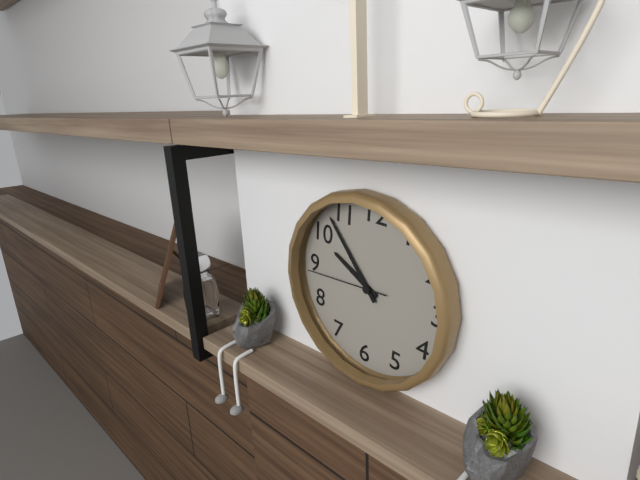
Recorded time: 9h53m44s
